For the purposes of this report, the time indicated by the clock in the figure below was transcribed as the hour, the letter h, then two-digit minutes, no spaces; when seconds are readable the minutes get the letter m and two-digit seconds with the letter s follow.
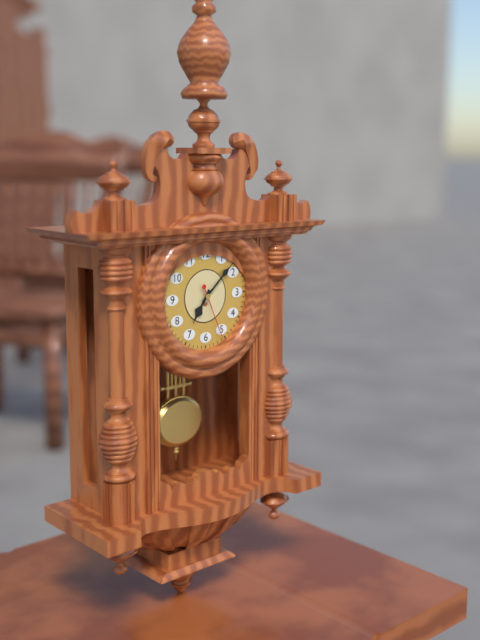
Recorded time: 7h08m26s
